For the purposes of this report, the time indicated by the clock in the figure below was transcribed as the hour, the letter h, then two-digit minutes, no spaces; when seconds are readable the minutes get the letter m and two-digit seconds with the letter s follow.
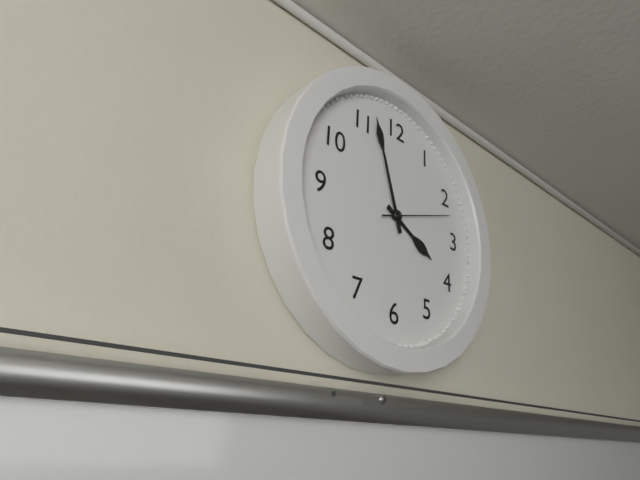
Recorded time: 3h57m12s
